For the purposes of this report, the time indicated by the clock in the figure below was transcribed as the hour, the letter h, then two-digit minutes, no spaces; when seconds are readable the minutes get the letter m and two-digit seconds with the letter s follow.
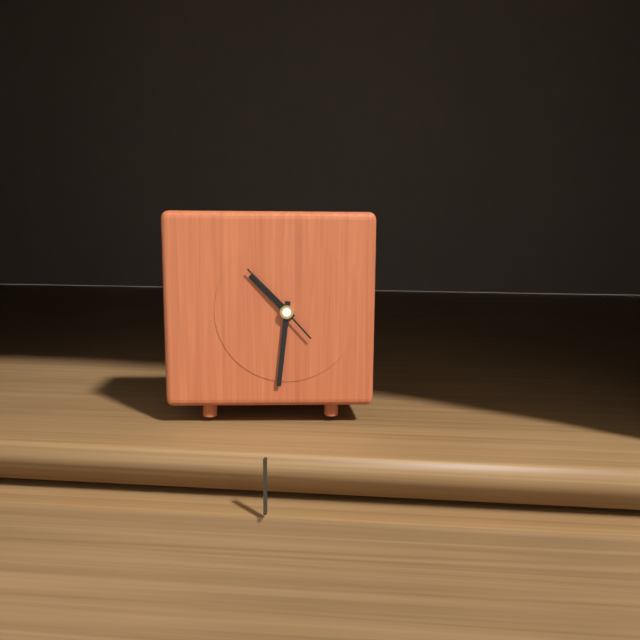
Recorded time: 10h31m53s
